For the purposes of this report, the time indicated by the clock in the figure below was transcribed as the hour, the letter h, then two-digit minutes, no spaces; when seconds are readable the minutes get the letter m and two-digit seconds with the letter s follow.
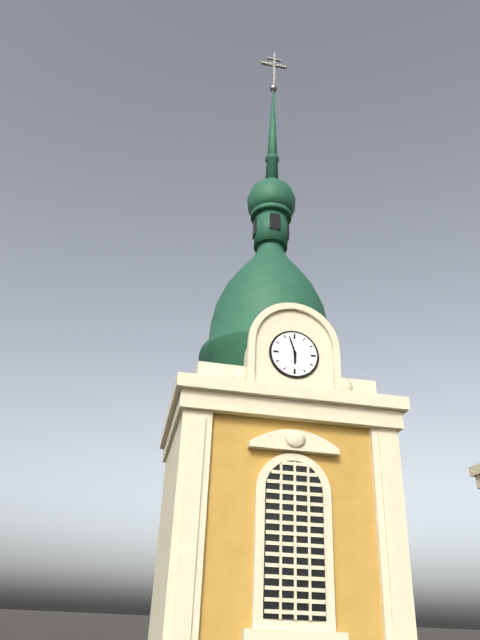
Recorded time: 5h57
